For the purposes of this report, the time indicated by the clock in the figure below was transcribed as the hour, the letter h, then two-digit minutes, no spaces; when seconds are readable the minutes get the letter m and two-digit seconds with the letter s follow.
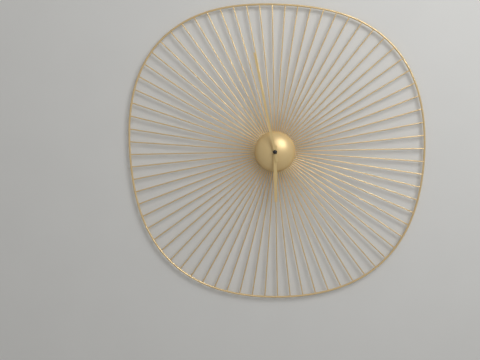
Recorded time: 5h58
